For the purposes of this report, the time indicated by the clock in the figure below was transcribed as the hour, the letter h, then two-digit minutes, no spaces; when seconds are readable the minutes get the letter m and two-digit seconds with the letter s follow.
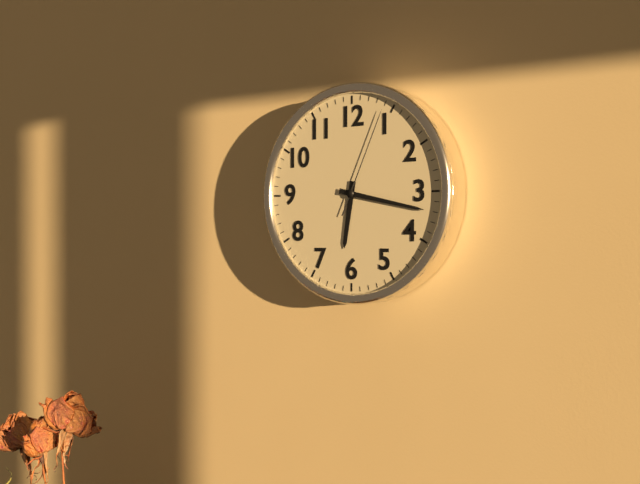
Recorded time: 6h17m04s
